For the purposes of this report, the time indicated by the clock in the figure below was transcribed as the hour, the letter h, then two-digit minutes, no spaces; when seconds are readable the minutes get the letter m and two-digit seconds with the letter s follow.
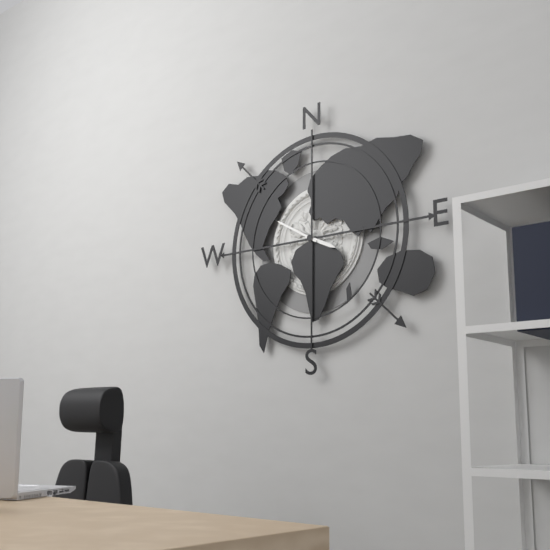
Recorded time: 3h50
